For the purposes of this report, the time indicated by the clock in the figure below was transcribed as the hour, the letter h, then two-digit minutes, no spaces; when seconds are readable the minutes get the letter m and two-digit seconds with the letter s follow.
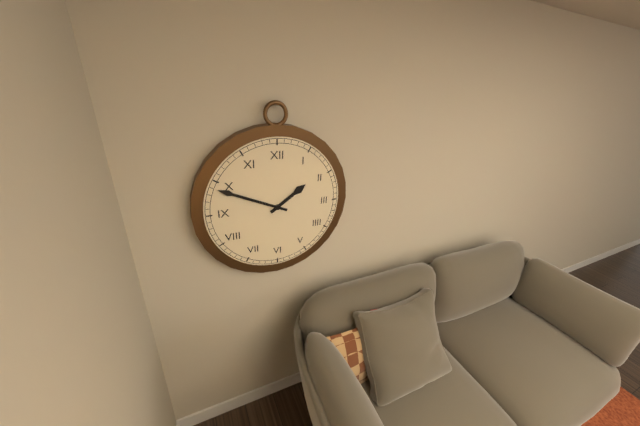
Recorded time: 1h49
